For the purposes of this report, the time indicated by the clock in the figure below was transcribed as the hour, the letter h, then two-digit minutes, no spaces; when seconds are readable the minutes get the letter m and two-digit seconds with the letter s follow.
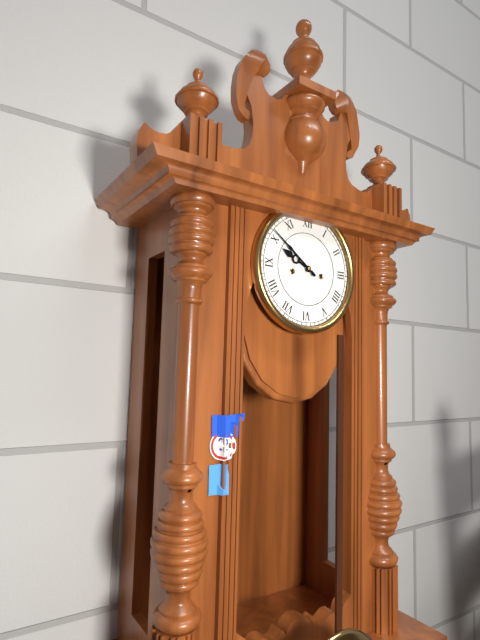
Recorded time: 9h51
